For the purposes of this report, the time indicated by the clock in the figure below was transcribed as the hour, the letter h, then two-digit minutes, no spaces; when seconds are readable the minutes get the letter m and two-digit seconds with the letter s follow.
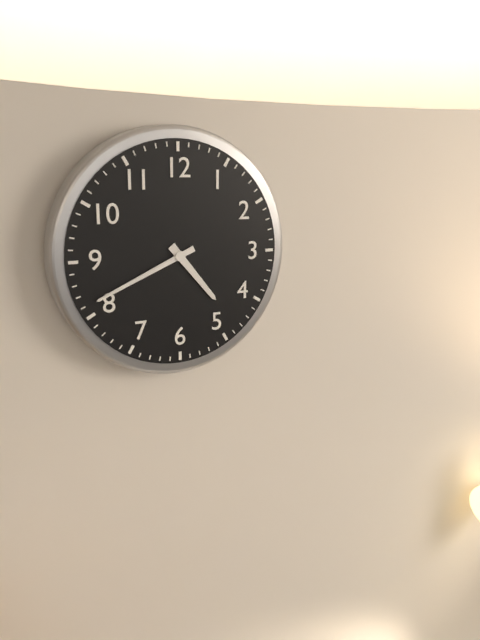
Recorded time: 4h41
